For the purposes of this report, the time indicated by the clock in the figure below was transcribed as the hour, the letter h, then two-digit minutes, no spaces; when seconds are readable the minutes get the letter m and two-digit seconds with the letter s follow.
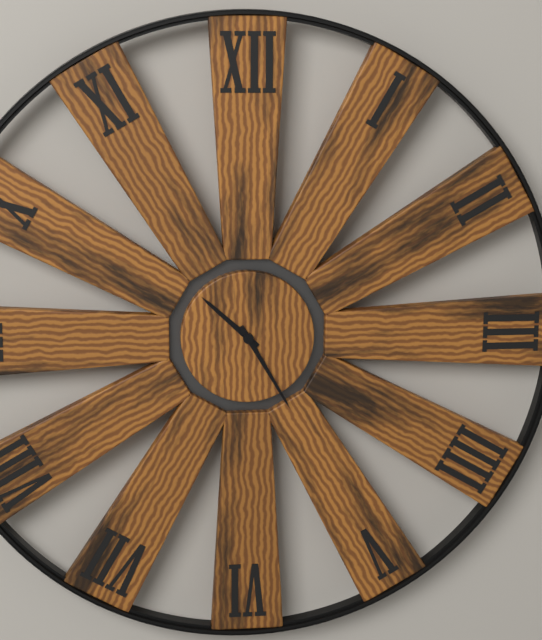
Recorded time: 10h25
